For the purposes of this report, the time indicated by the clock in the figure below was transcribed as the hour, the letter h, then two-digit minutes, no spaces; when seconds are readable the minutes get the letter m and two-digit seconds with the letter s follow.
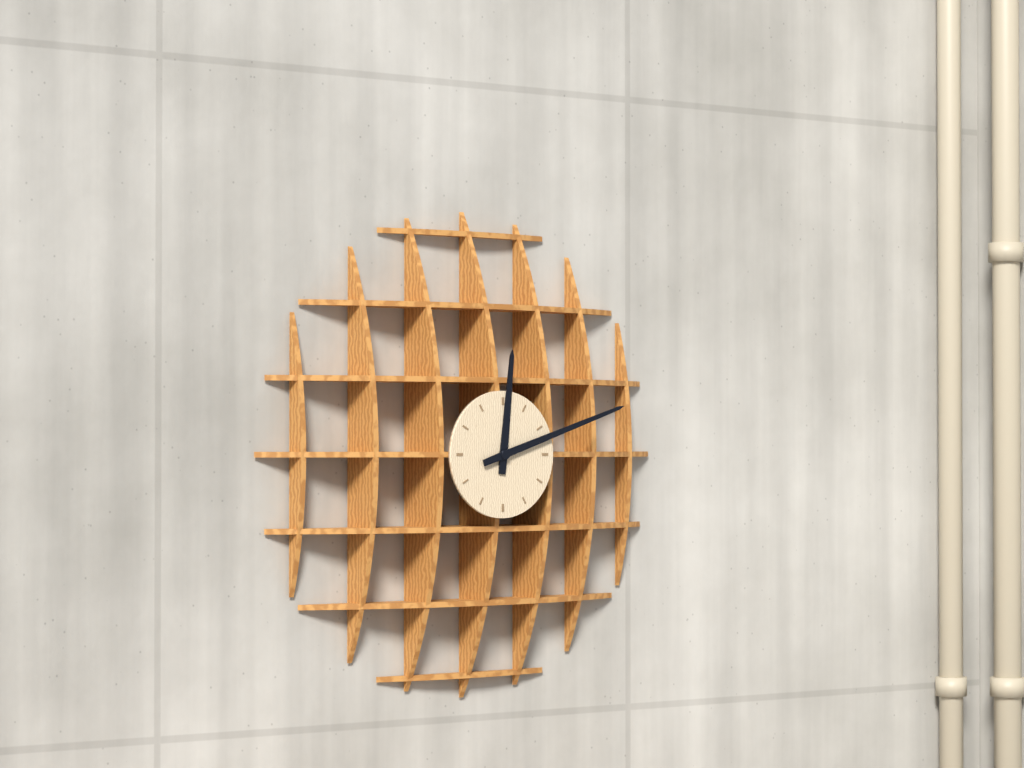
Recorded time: 12h12
